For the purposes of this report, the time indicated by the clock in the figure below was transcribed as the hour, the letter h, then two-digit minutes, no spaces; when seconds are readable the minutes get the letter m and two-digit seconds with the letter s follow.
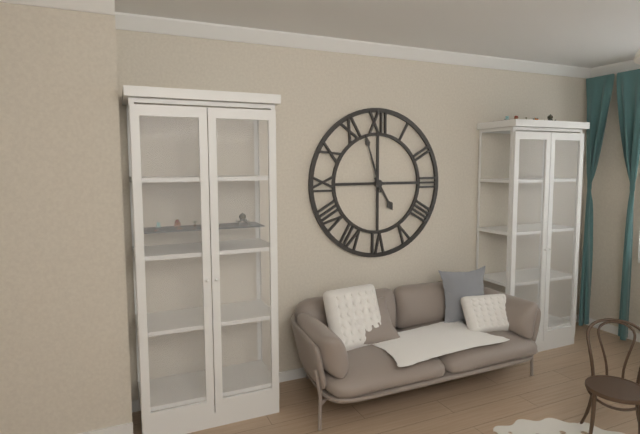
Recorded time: 4h57
